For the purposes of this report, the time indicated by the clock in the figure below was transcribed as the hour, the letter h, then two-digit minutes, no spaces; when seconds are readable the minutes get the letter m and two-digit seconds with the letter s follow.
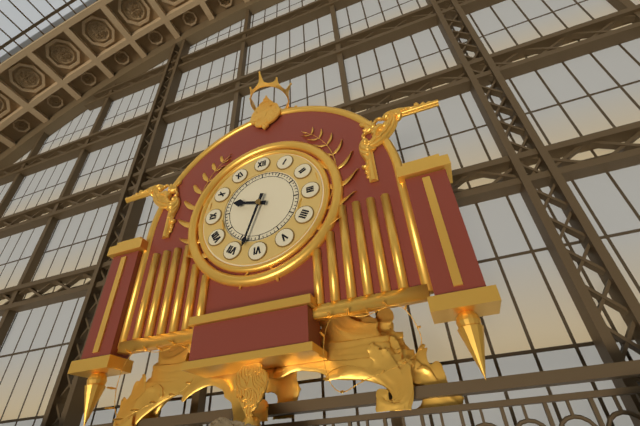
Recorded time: 9h33
